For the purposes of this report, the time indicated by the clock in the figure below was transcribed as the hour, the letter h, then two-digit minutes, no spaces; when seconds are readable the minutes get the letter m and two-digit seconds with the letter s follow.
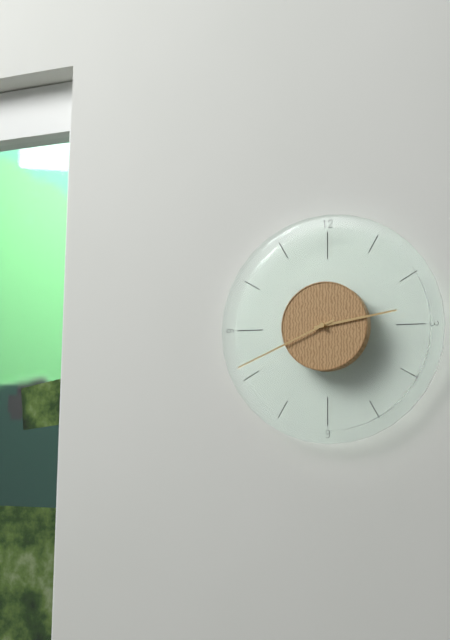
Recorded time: 2h41
